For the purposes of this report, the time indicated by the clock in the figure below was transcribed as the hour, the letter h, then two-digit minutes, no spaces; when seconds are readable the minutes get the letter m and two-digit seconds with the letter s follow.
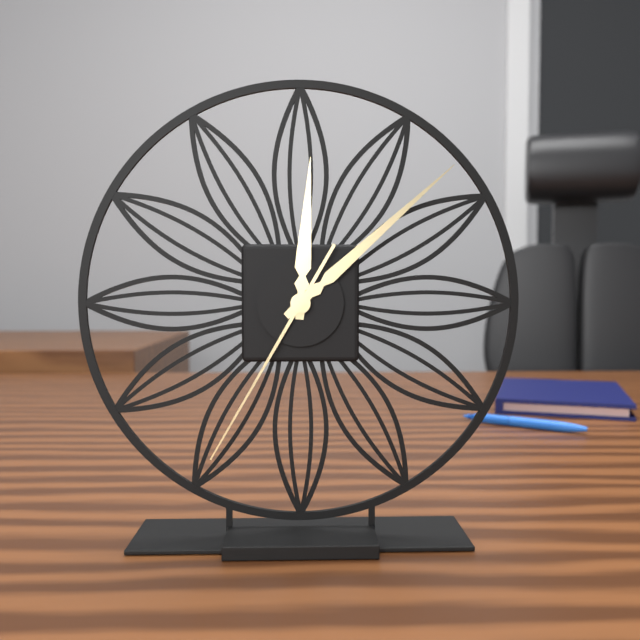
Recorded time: 12h08m35s
